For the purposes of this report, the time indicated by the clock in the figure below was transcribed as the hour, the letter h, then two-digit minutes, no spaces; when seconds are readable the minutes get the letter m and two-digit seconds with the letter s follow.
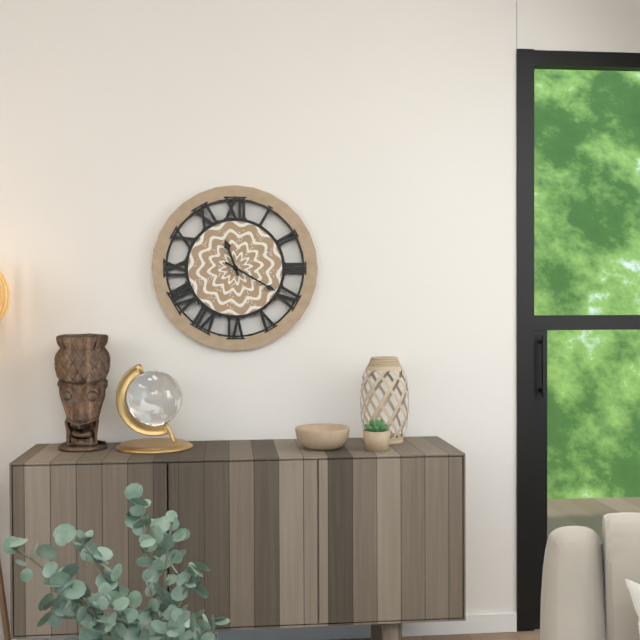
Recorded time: 11h20
